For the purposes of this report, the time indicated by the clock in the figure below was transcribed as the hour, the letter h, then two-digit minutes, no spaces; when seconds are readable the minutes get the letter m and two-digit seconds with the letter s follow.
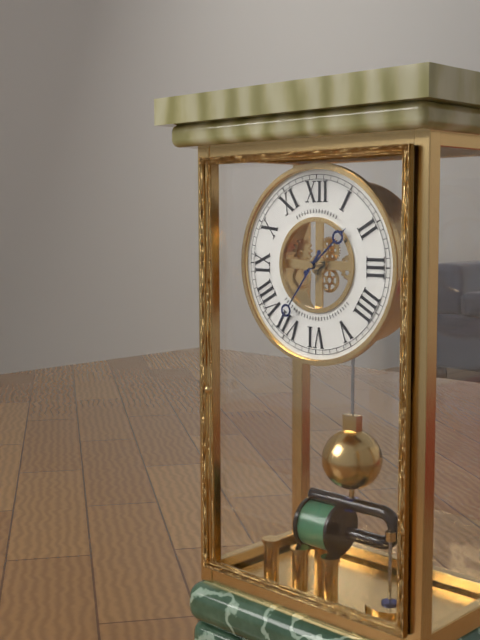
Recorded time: 1h36
